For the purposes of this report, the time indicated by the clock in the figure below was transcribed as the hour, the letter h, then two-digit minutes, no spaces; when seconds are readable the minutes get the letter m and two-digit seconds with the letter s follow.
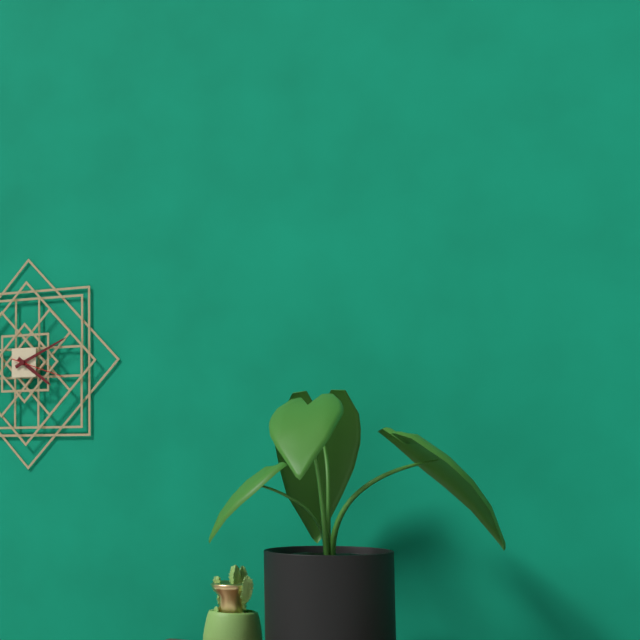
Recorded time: 4h11m18s
